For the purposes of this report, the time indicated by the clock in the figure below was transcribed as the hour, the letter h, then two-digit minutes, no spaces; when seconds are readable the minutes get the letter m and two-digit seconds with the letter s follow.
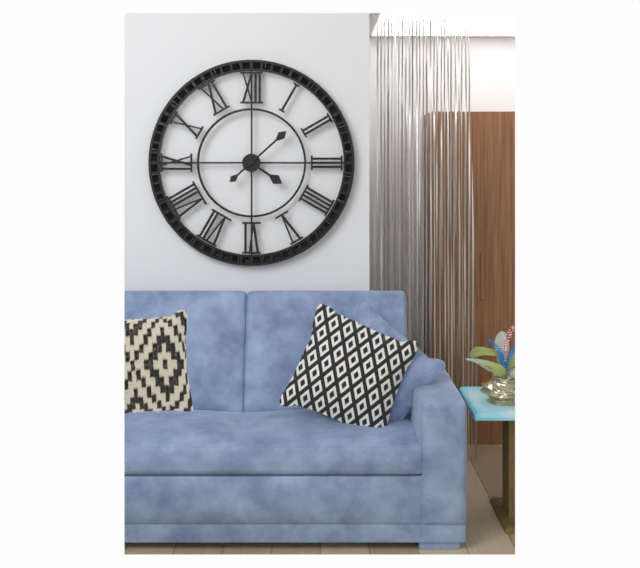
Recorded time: 4h08
